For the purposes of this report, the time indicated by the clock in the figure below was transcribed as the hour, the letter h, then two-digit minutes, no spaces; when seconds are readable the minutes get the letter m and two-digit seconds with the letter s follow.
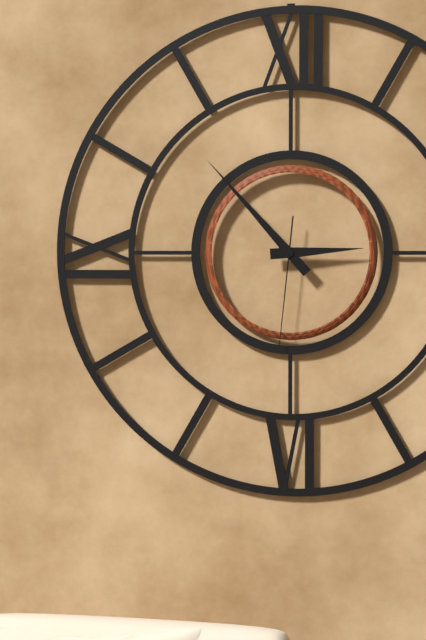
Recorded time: 2h53m31s
